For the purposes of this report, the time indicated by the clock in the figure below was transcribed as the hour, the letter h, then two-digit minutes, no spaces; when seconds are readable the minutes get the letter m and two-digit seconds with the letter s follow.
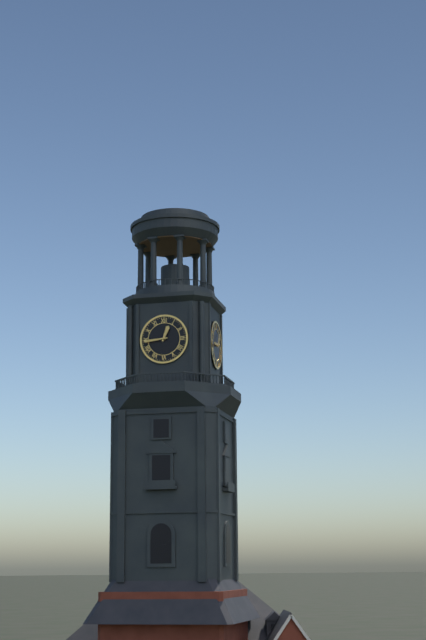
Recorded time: 12h44
